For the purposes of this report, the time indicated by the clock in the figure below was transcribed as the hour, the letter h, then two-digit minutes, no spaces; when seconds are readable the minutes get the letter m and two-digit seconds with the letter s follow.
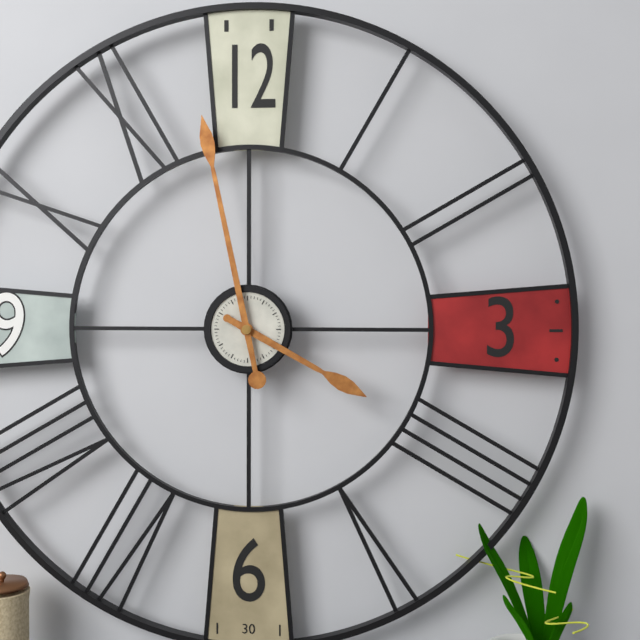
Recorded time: 3h58
